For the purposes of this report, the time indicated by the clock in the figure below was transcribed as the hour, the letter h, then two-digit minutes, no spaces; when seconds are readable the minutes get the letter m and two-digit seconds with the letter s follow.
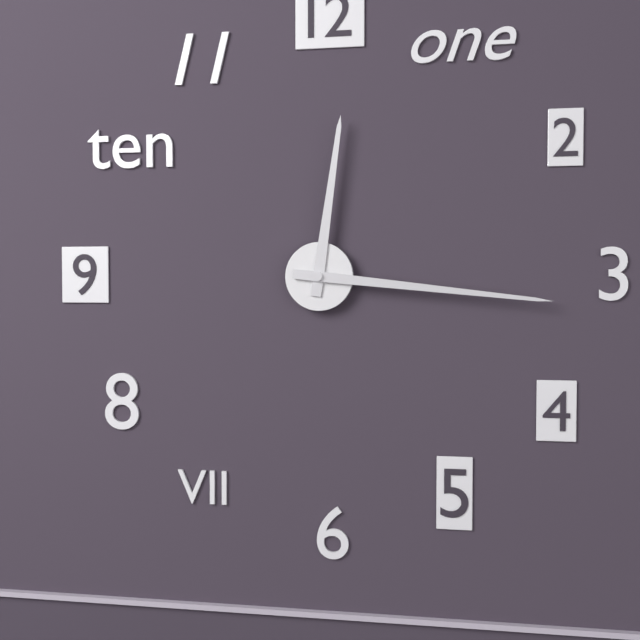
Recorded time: 12h16
